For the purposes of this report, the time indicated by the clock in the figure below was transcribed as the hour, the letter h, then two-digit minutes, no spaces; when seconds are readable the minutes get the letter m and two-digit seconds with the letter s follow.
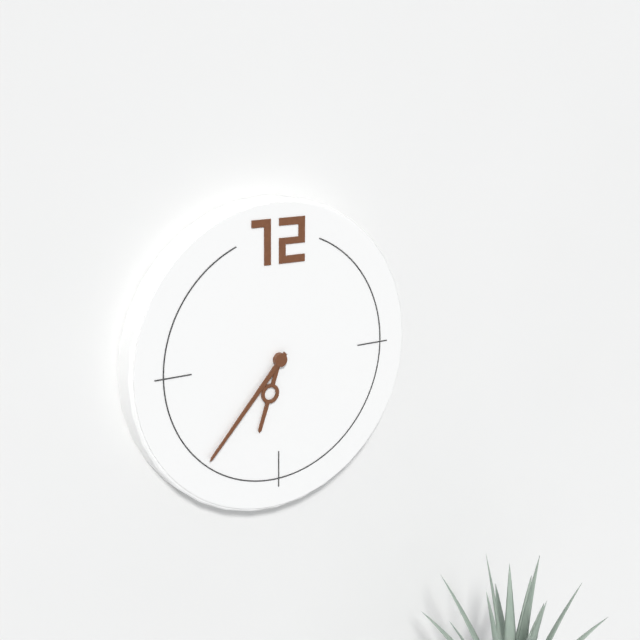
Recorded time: 6h37
